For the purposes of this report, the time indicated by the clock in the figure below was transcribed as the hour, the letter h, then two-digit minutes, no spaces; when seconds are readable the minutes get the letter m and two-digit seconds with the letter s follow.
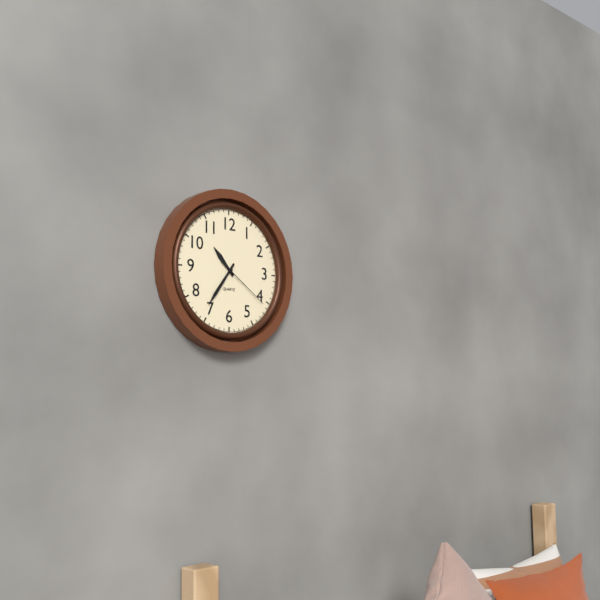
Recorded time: 10h36m21s
